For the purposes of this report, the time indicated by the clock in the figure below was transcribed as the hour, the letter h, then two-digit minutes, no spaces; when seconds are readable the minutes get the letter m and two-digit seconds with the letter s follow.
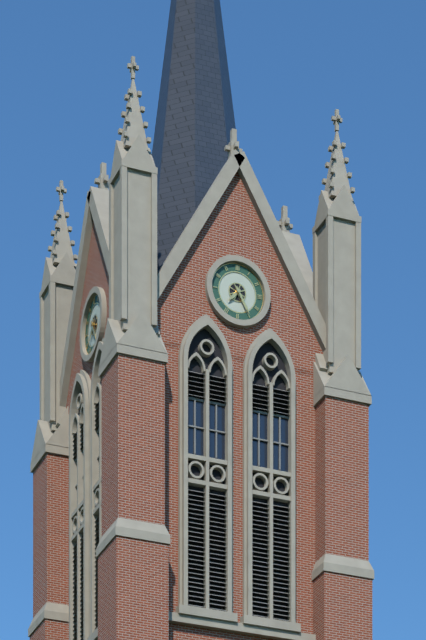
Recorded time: 7h25
